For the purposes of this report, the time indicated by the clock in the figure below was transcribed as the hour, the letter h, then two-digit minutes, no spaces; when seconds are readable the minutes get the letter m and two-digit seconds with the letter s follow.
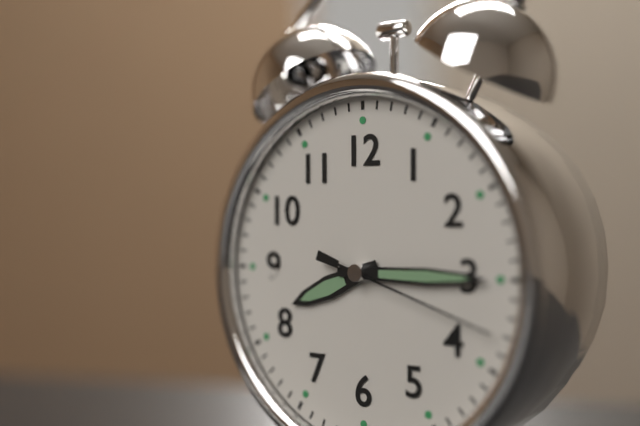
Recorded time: 8h15m18s
